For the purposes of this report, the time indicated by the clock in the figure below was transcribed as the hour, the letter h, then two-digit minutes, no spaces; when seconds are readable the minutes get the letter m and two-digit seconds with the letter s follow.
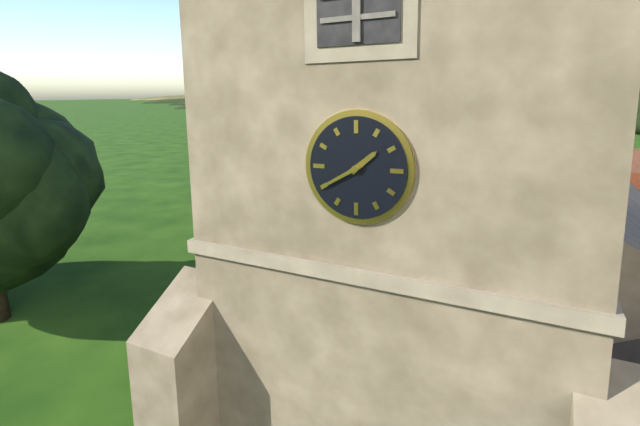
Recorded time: 1h40
